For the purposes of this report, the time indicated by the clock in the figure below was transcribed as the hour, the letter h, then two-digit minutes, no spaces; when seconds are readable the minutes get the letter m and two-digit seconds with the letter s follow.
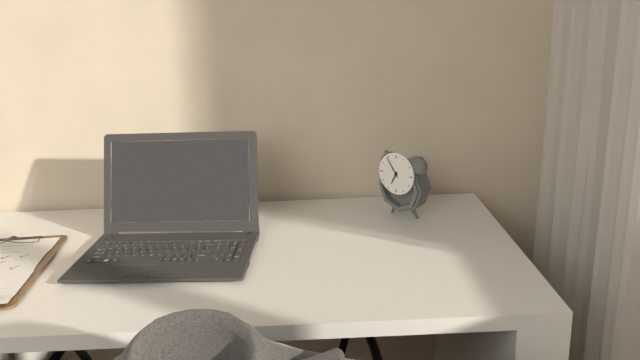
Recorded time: 6h54
